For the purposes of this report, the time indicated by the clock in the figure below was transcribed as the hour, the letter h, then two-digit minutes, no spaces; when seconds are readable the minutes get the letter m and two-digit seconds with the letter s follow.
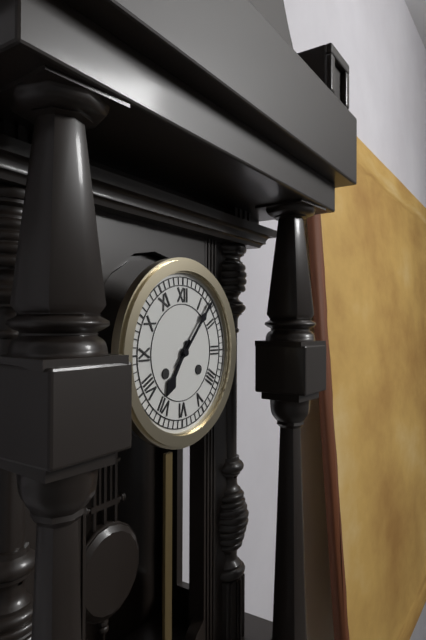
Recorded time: 7h07
